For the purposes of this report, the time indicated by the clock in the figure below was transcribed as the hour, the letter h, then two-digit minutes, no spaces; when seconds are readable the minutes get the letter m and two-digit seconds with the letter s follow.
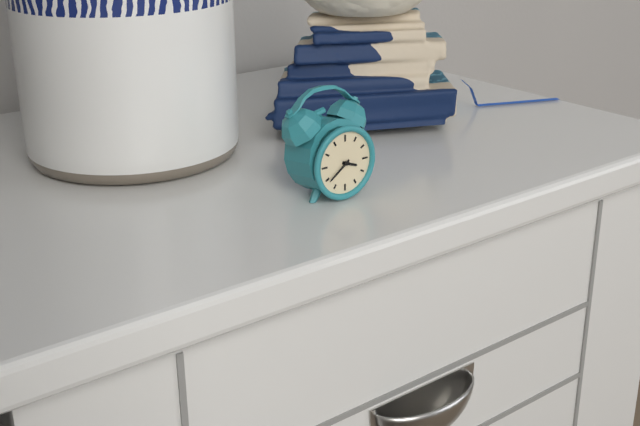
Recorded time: 3h39
